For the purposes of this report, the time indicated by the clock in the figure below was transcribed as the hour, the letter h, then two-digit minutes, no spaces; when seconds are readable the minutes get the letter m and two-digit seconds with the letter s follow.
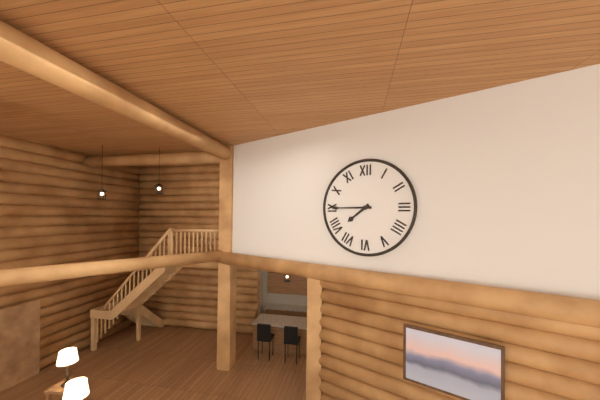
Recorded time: 7h45
